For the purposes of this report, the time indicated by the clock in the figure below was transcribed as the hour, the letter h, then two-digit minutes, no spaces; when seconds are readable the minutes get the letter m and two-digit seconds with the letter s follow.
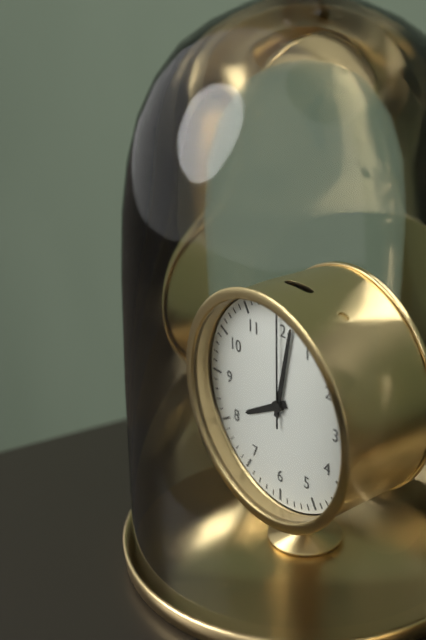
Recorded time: 8h02m00s
